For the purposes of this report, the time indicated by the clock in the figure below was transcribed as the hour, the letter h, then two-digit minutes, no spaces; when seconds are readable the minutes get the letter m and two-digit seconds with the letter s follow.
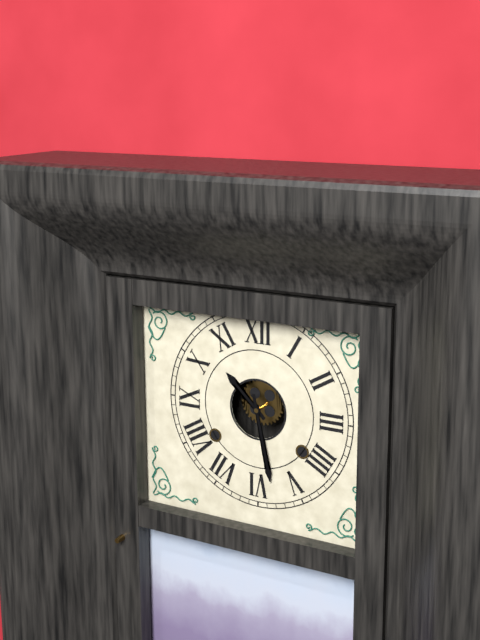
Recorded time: 10h28
